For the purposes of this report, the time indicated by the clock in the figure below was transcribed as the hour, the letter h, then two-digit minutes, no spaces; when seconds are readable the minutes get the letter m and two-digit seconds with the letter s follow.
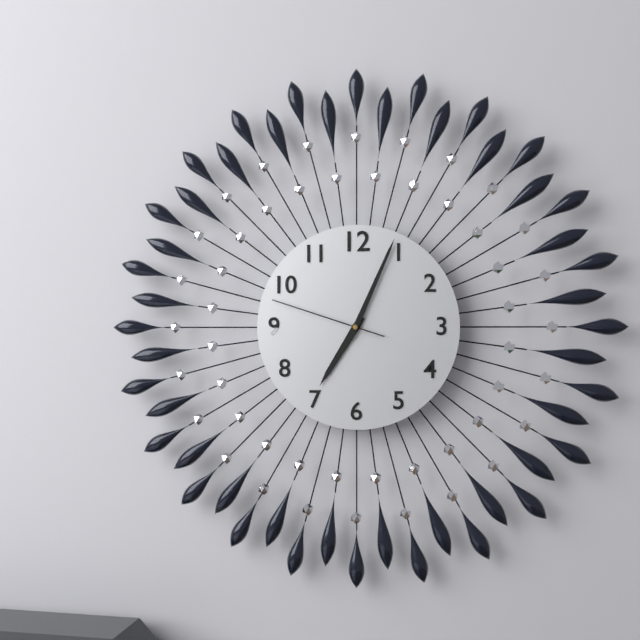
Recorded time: 7h04m48s
